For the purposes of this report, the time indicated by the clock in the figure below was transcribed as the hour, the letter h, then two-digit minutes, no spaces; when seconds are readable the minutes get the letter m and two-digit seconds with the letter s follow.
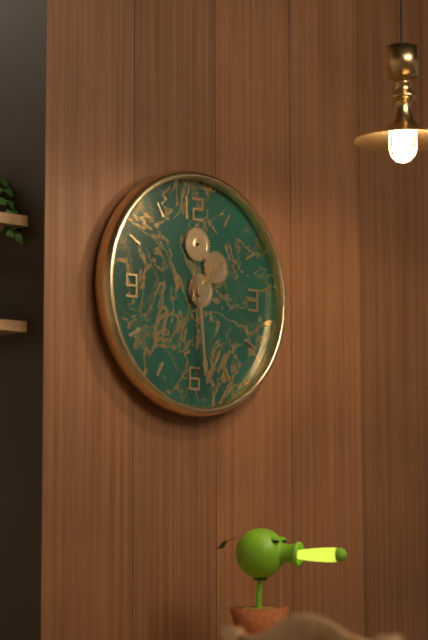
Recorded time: 1h29
